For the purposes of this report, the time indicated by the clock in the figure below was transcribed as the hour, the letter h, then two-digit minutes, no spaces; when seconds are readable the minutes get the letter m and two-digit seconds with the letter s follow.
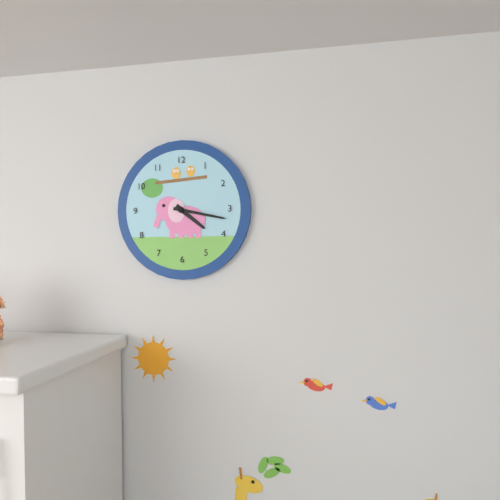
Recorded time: 4h17
